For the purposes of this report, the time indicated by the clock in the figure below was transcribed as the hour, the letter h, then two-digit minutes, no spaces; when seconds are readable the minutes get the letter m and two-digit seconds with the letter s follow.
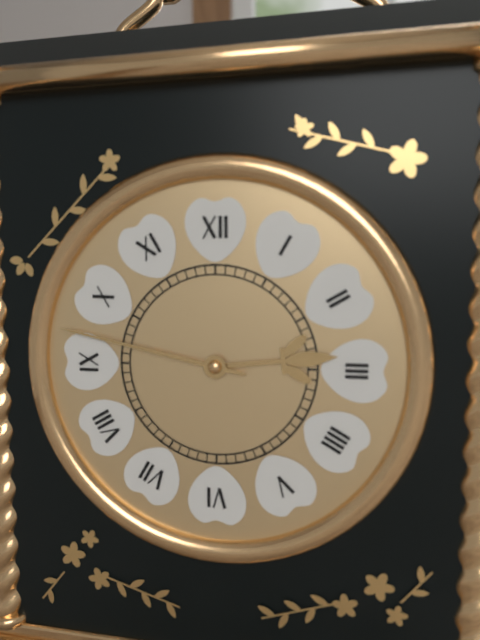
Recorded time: 2h47
